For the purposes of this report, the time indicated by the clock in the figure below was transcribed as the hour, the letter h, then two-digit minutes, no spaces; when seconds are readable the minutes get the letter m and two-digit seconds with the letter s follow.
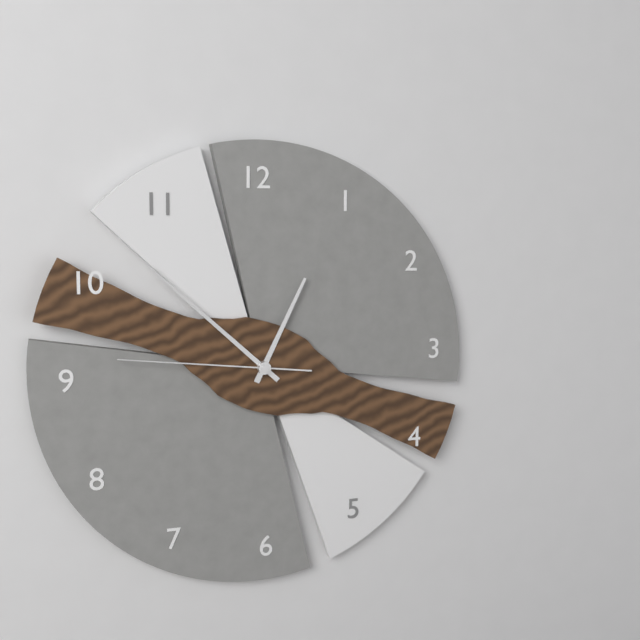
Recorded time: 12h52m46s
